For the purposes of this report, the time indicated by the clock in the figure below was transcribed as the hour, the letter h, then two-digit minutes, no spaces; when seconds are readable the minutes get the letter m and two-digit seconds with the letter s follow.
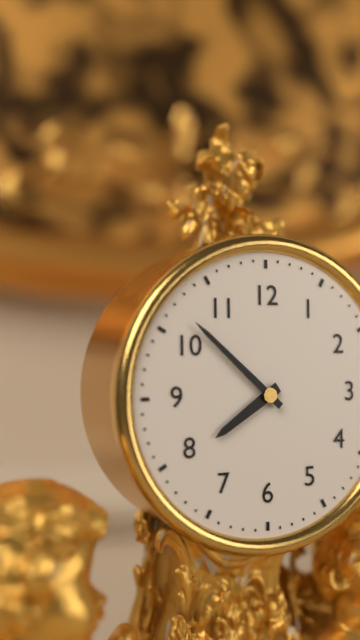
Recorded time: 7h52
